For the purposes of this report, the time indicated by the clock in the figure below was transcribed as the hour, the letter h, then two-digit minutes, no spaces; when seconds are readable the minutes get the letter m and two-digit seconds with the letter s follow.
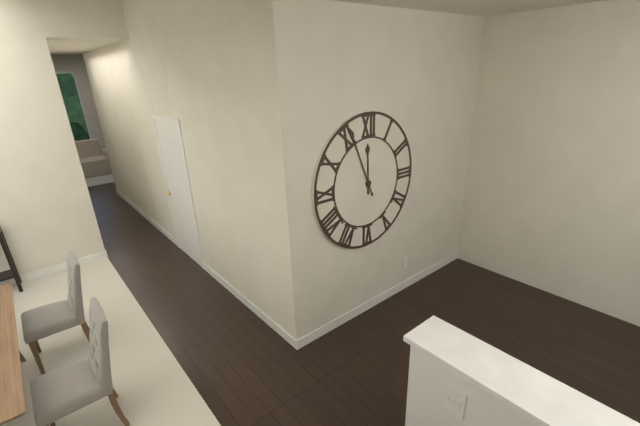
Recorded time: 11h56
